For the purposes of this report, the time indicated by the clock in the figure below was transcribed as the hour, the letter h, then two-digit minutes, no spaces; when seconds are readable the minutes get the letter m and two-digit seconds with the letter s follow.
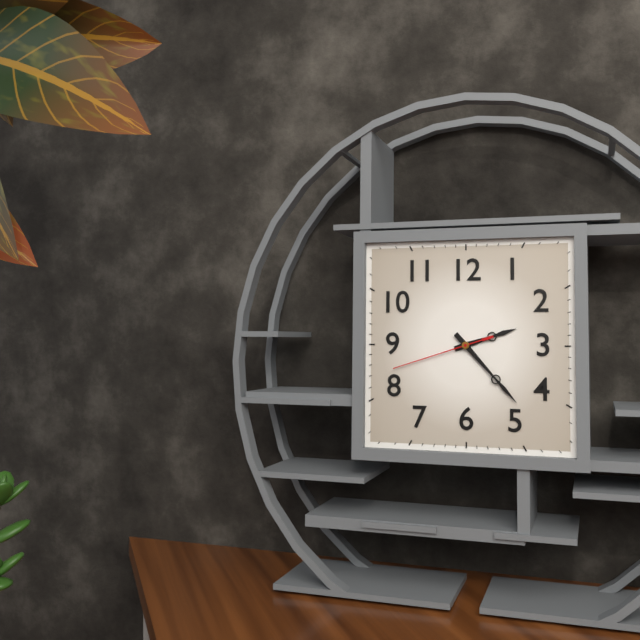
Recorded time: 2h23m42s
